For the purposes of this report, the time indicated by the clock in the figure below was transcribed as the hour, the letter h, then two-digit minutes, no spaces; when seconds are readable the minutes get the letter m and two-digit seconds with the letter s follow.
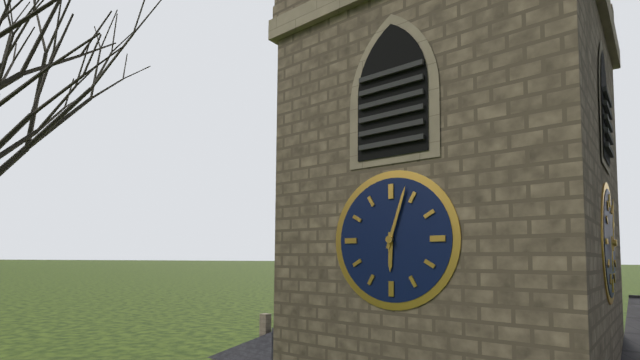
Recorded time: 6h03
